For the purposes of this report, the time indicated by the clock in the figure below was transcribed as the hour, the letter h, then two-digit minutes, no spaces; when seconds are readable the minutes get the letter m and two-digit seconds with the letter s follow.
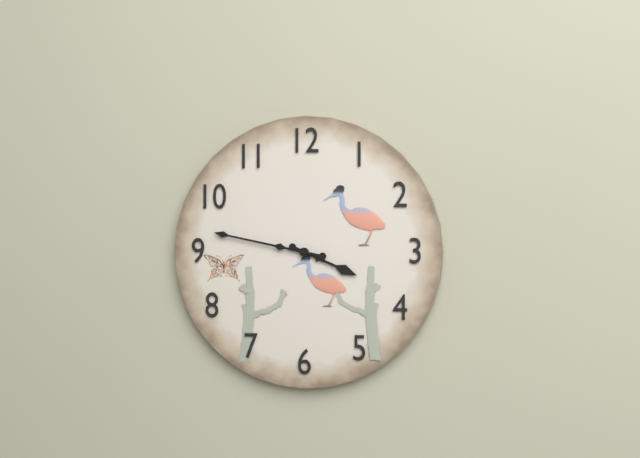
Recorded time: 3h47
